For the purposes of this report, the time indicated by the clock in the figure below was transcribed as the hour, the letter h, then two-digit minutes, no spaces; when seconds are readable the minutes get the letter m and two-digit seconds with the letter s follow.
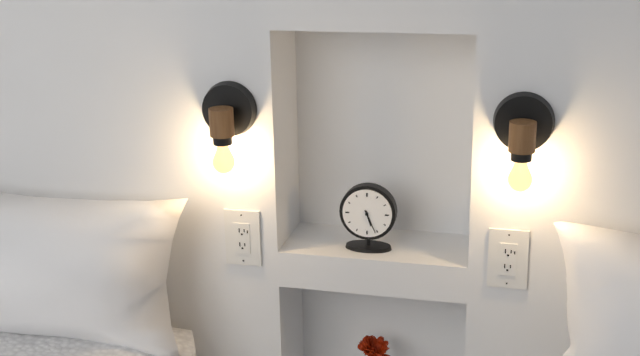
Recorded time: 5h26
